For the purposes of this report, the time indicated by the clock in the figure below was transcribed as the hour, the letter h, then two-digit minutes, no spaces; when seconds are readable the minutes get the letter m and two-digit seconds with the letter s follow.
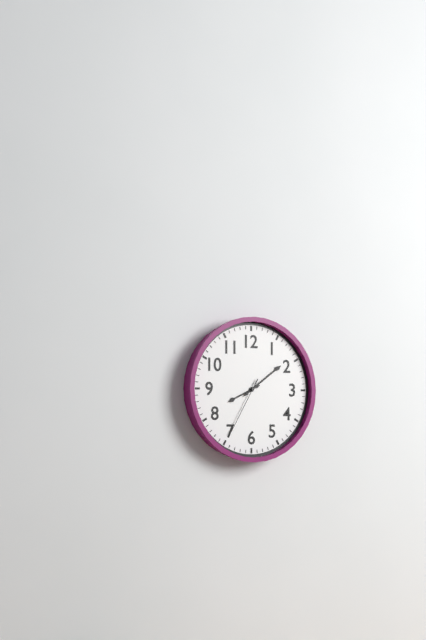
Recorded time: 8h09m35s
